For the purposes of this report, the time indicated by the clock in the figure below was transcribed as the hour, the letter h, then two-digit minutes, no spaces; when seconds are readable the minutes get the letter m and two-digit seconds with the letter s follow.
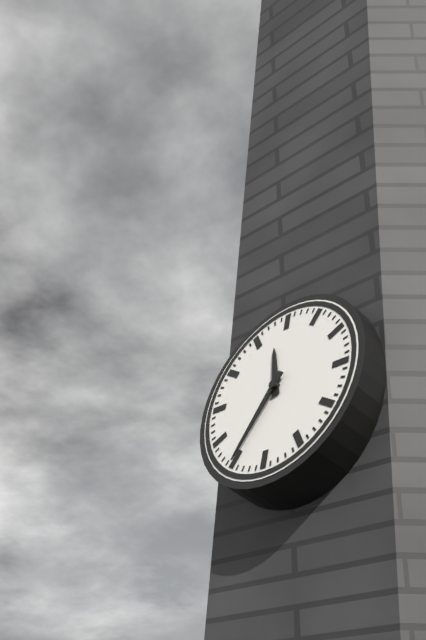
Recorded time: 11h35
